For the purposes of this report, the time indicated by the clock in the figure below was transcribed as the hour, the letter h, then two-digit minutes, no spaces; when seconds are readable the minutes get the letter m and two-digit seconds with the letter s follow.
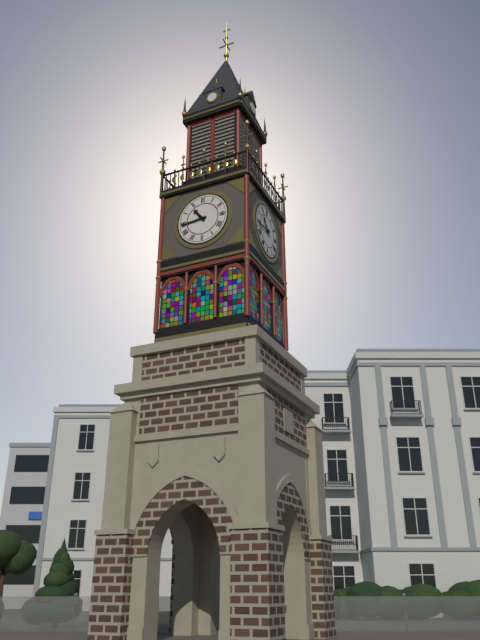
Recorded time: 10h44
